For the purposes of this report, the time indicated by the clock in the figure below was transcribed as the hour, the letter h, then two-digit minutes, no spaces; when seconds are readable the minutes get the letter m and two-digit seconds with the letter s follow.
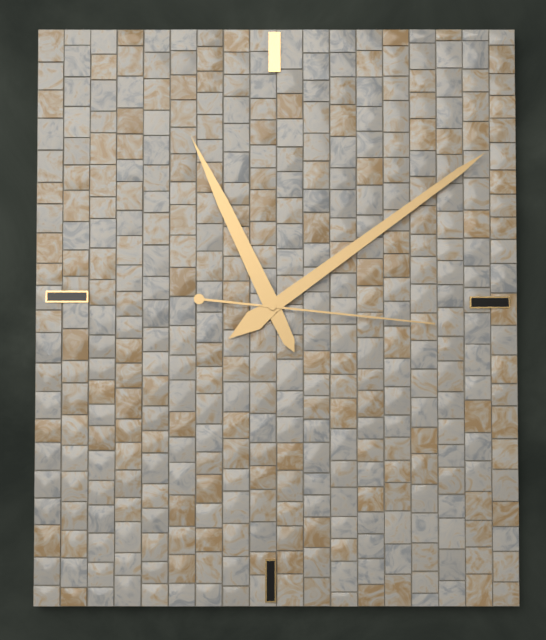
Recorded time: 11h09m16s
